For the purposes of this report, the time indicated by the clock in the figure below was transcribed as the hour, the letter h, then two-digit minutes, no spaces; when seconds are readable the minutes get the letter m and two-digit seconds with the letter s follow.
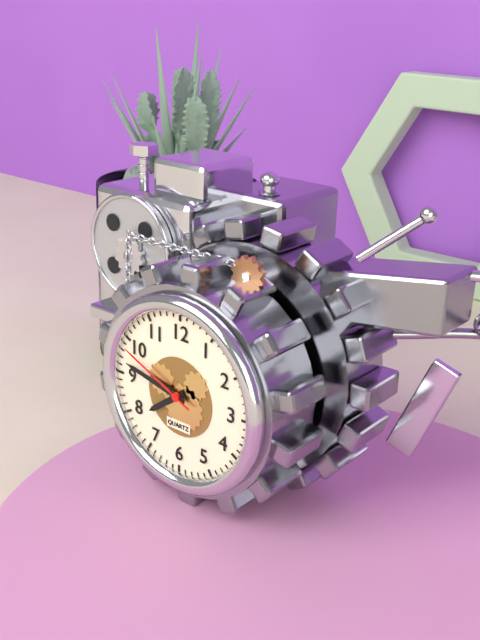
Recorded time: 7h47m49s
